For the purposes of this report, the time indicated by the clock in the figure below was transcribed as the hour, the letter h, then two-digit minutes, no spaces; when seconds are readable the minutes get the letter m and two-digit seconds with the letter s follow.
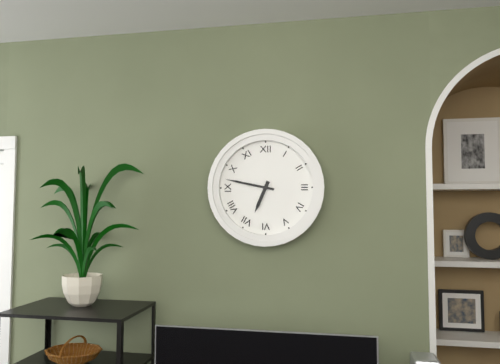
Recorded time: 6h47
